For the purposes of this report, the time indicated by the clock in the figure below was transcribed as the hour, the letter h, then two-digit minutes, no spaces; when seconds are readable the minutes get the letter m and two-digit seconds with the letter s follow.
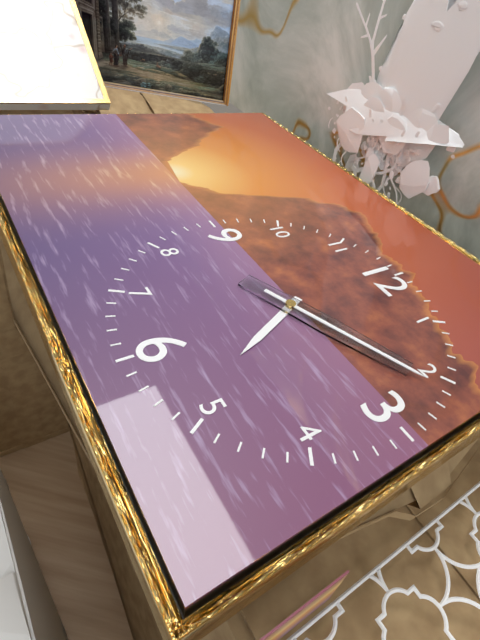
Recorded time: 5h11
